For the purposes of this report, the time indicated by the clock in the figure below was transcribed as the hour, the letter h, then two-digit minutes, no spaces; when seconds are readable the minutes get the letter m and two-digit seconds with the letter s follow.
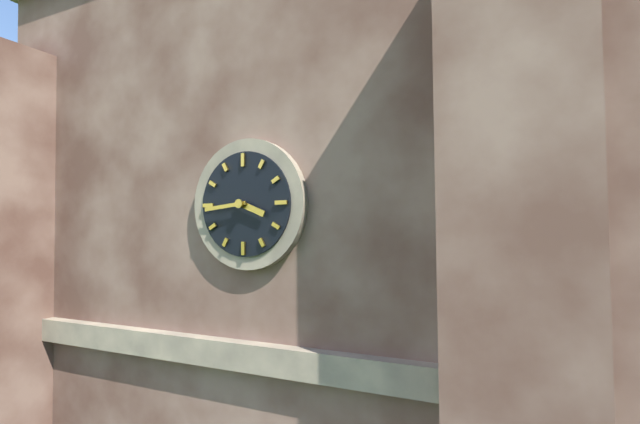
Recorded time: 3h44
